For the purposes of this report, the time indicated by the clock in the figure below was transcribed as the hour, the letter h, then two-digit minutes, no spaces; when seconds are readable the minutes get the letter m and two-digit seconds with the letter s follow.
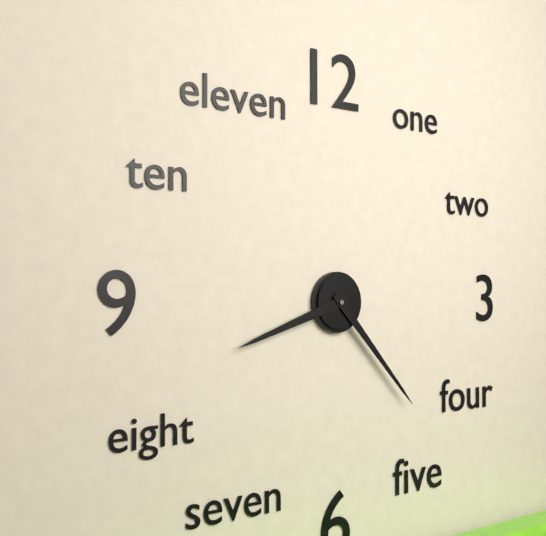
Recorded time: 8h23
